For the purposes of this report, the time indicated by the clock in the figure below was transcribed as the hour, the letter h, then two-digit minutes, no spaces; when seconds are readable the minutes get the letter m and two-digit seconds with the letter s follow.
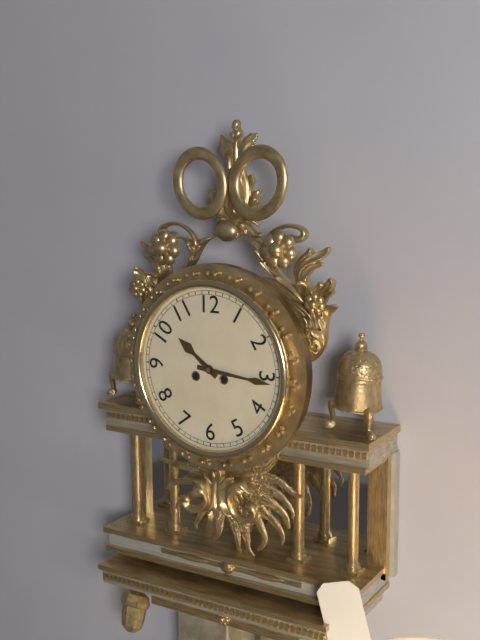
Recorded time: 10h16
